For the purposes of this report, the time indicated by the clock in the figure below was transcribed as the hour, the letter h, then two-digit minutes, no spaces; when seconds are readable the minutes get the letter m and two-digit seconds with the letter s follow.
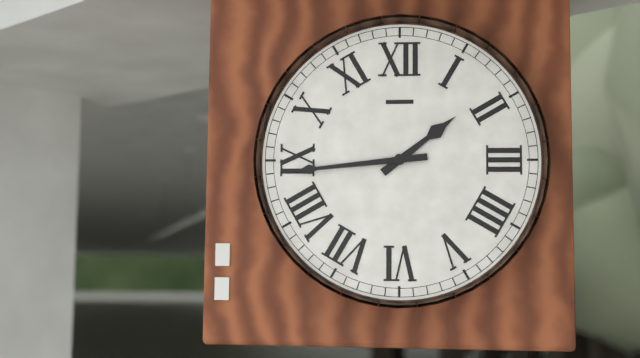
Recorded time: 1h44
